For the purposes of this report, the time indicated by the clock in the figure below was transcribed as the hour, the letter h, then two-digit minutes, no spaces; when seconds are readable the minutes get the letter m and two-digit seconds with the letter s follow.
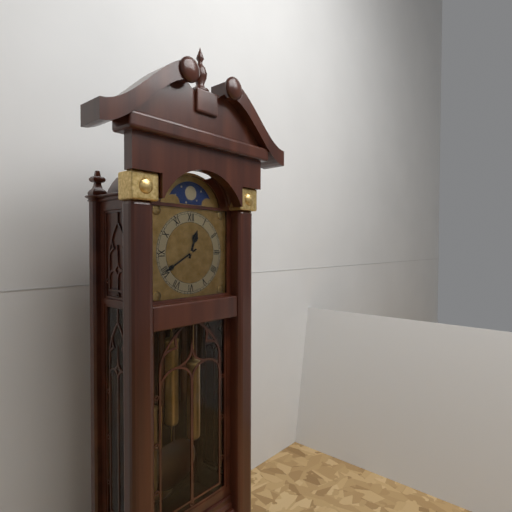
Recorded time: 12h40
